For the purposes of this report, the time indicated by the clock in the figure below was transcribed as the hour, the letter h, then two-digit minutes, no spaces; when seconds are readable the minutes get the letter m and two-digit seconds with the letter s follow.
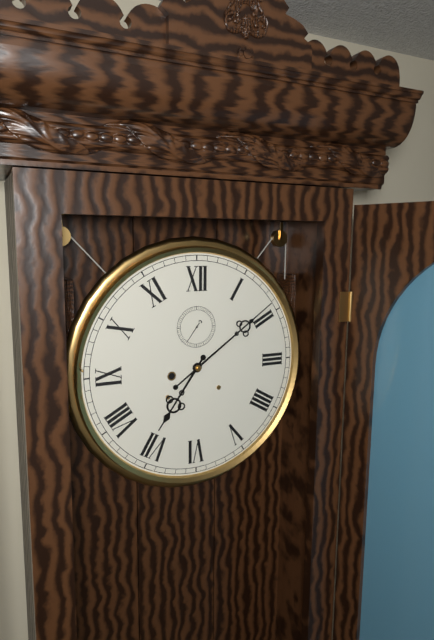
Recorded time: 7h09
